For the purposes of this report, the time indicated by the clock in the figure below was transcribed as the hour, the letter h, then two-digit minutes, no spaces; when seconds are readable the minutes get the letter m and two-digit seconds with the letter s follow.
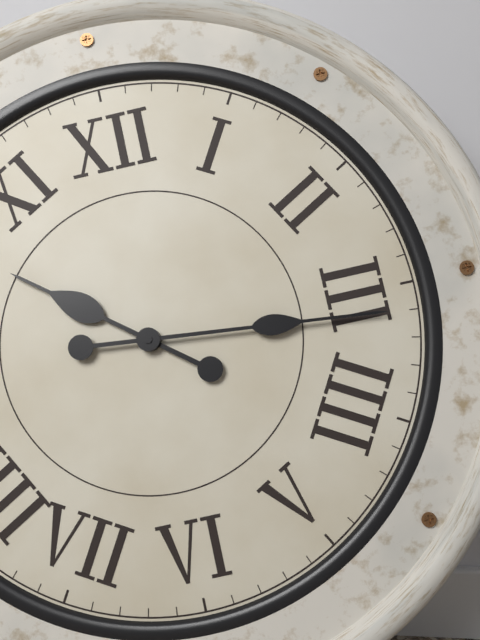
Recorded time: 10h16
